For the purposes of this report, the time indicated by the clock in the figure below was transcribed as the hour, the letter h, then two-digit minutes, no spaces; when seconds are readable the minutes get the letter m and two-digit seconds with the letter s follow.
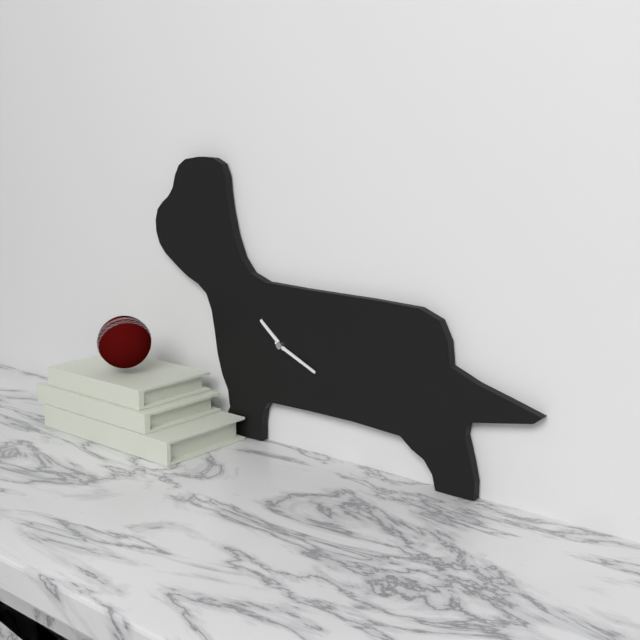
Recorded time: 10h19
